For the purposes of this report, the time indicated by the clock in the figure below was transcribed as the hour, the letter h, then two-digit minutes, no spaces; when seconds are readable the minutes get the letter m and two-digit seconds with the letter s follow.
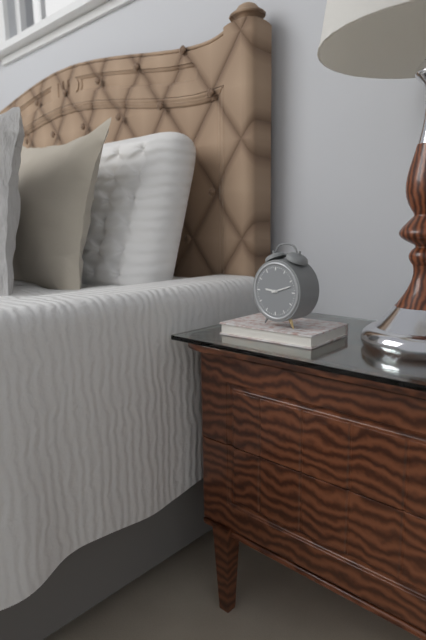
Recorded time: 9h12
